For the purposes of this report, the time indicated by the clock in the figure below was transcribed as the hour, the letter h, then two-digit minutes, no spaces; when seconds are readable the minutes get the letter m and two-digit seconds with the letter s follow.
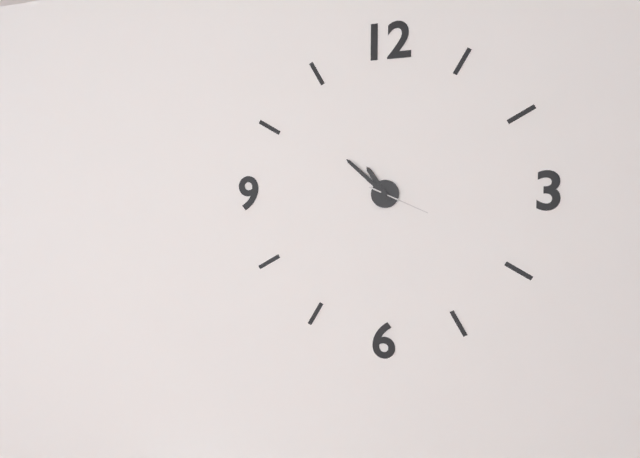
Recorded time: 10h52m19s
